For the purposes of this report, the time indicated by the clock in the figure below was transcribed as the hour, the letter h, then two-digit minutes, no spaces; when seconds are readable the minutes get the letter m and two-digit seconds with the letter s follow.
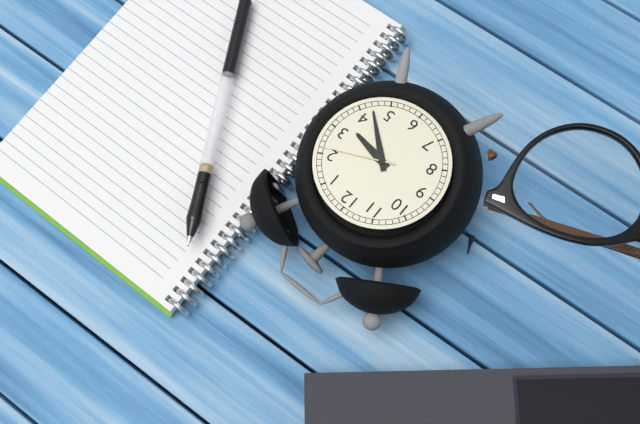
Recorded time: 3h22m11s
